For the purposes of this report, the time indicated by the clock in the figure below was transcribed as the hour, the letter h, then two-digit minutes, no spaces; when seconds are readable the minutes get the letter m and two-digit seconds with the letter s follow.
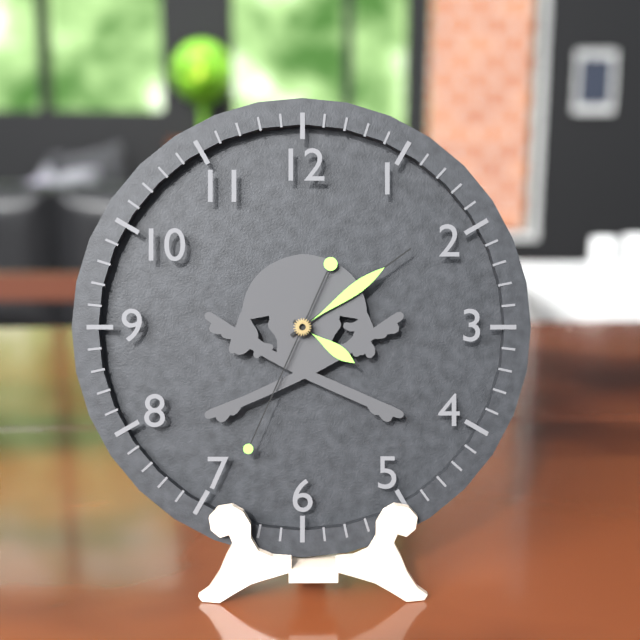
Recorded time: 4h09m34s
